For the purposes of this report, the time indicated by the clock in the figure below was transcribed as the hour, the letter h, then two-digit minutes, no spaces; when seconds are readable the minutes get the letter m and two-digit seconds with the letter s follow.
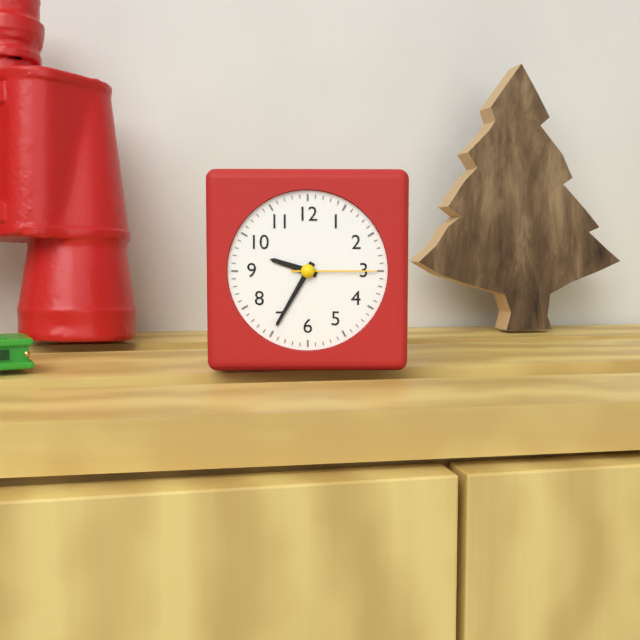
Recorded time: 9h35m15s
